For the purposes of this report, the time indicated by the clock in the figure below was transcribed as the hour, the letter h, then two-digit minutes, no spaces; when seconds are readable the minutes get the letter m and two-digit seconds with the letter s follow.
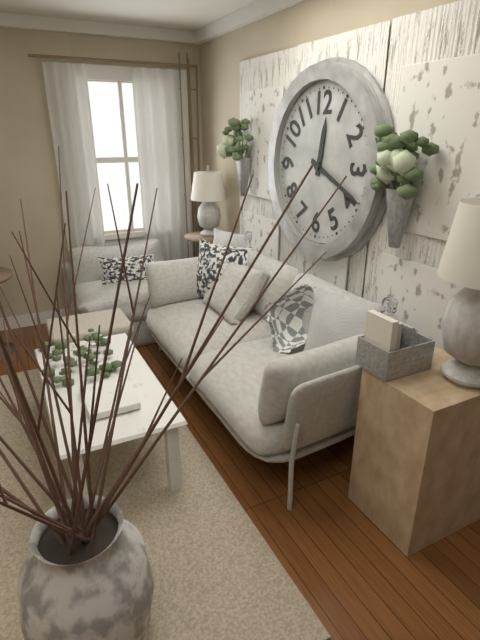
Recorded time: 12h19
